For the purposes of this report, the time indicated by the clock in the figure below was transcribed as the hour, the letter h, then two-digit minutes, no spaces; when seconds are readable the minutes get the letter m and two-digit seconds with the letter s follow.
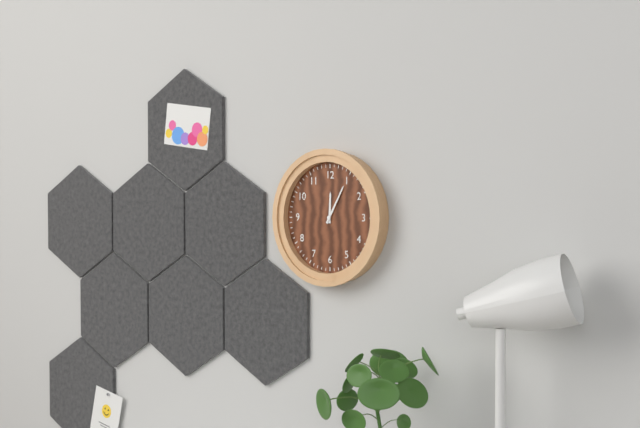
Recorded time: 12h05
